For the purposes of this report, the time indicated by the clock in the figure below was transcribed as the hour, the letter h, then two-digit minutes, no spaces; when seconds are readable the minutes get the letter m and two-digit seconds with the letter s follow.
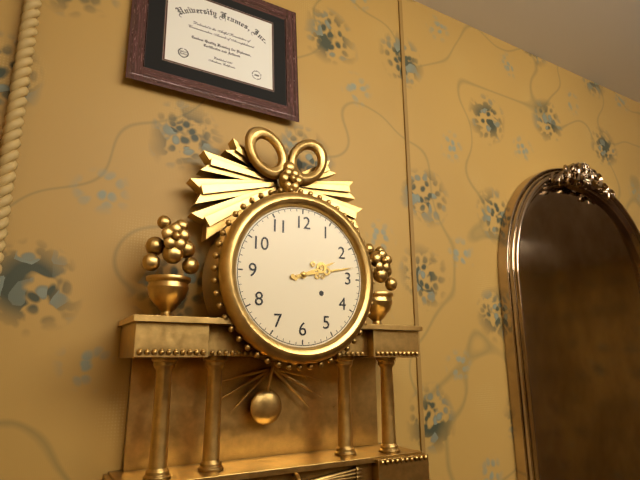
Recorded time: 2h13
